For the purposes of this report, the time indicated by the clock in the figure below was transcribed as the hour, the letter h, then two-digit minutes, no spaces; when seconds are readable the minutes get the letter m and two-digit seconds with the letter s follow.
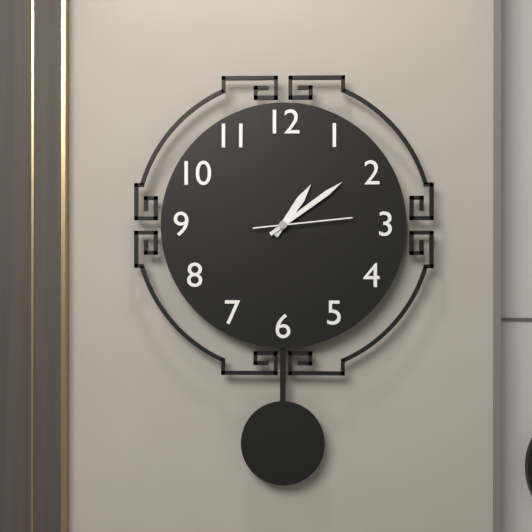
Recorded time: 1h09m14s
